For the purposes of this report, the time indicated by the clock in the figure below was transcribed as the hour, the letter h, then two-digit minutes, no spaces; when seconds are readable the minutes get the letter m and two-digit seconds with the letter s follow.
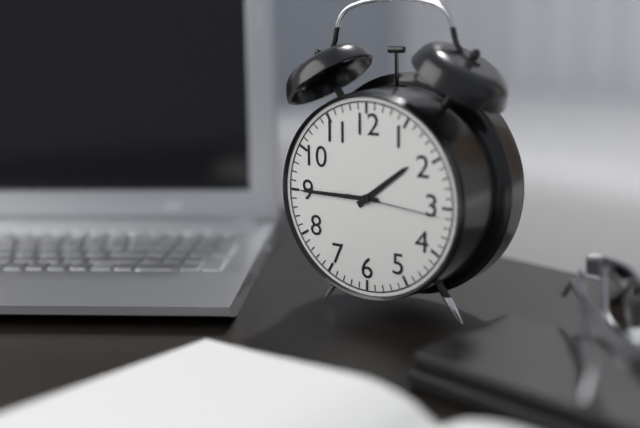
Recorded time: 1h45m16s
